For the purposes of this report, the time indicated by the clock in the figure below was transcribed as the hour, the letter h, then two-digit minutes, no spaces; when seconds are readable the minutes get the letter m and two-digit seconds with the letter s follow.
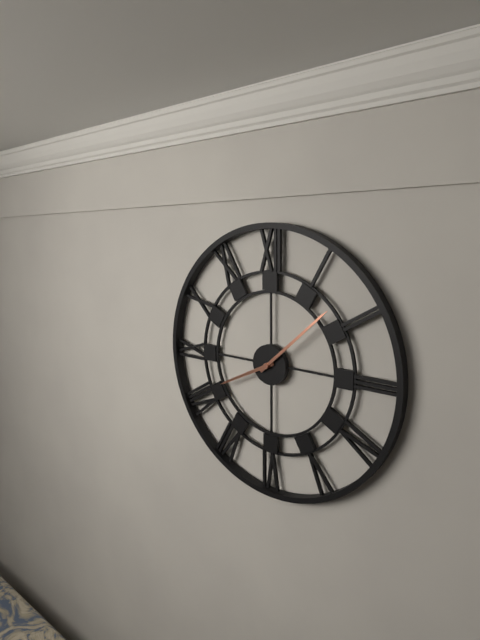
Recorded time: 8h08
